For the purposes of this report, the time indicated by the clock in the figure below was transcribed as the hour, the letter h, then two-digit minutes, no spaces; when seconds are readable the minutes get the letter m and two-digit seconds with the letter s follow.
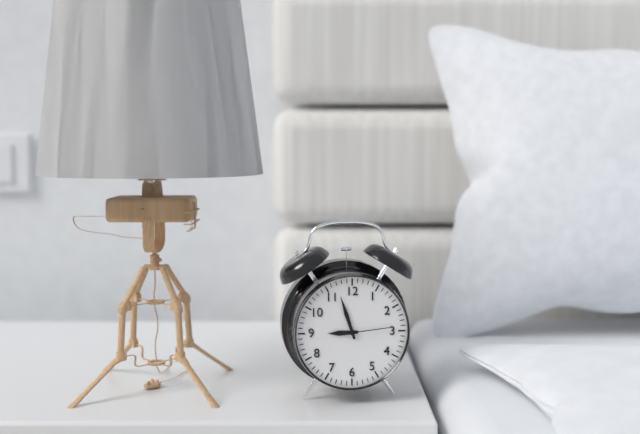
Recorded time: 8h57m14s
